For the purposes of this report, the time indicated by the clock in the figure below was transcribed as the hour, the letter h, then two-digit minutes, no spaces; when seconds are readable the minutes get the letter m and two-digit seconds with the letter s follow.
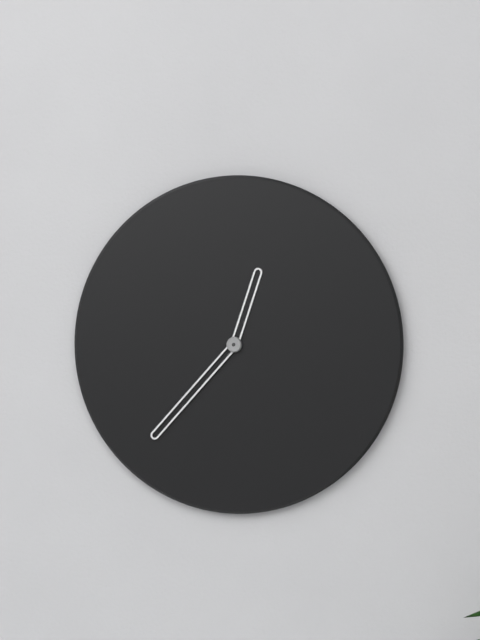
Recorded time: 12h37
